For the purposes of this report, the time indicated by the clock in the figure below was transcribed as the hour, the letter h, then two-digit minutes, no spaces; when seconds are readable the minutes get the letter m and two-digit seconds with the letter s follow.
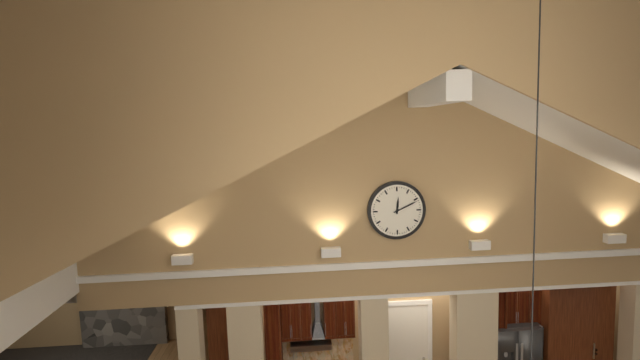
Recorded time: 12h11
